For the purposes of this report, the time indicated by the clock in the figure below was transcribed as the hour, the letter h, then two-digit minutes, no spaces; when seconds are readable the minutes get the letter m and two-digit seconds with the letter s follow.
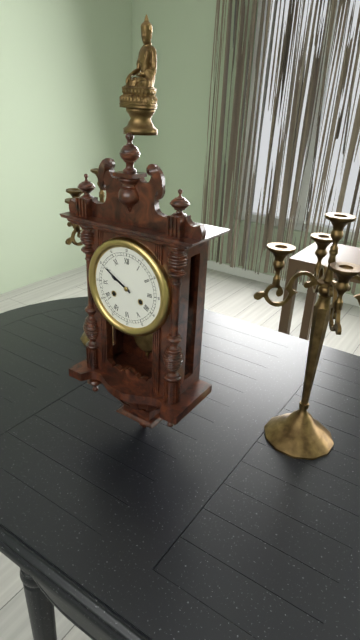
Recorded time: 9h50
